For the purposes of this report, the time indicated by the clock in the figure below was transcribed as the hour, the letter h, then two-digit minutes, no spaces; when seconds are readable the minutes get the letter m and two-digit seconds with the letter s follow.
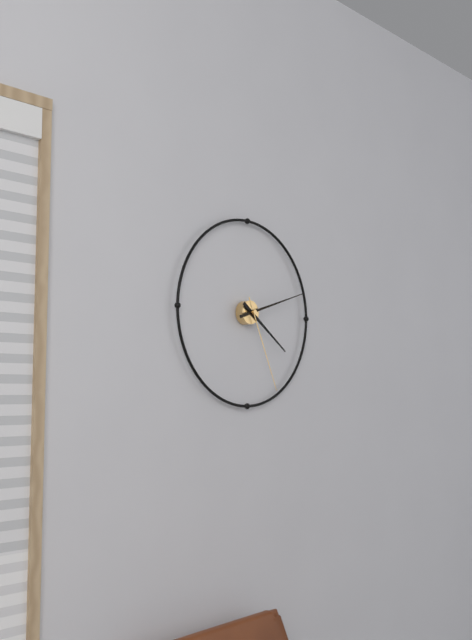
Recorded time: 4h12m26s
